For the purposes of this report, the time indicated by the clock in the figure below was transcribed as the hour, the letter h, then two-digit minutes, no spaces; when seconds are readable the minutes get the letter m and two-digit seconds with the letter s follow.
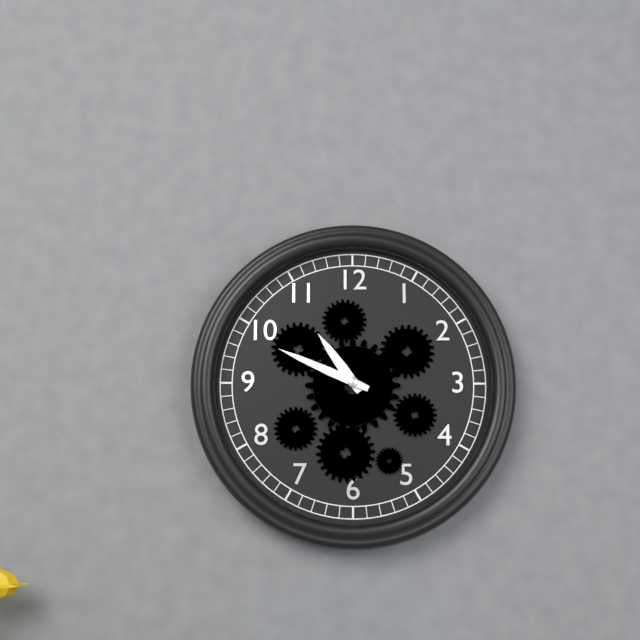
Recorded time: 10h49
